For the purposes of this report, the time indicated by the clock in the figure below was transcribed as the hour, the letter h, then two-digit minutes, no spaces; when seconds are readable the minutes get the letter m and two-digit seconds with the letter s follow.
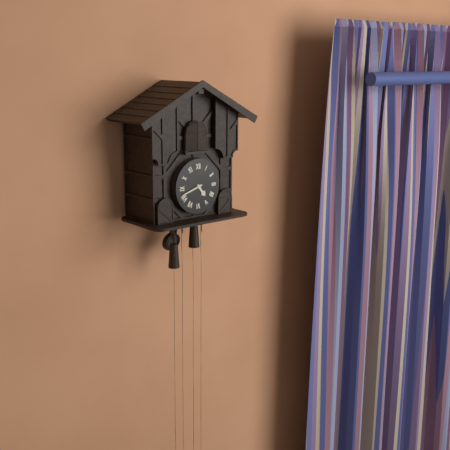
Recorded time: 4h42
